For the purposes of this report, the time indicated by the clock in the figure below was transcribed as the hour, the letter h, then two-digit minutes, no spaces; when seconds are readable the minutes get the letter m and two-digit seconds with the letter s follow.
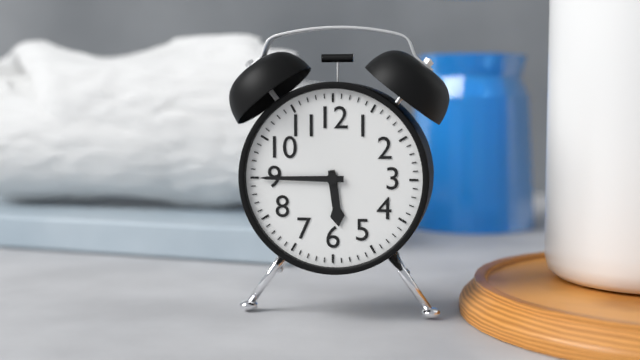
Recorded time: 5h45
